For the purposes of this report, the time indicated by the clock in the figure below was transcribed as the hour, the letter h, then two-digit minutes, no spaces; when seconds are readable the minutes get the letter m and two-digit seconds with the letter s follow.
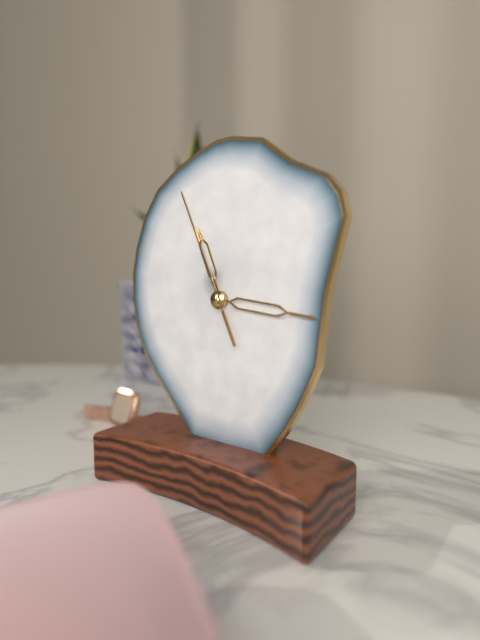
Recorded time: 11h16m56s
